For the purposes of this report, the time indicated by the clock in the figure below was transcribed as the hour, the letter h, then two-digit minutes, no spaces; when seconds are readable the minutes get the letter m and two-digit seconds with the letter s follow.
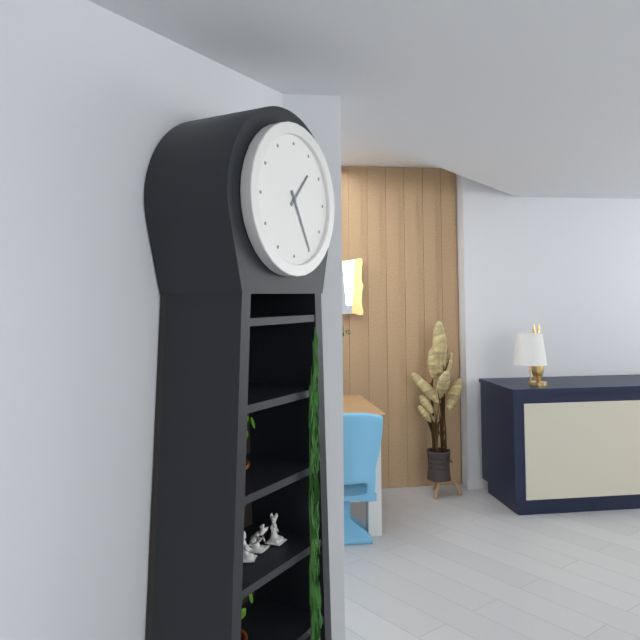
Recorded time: 1h25
